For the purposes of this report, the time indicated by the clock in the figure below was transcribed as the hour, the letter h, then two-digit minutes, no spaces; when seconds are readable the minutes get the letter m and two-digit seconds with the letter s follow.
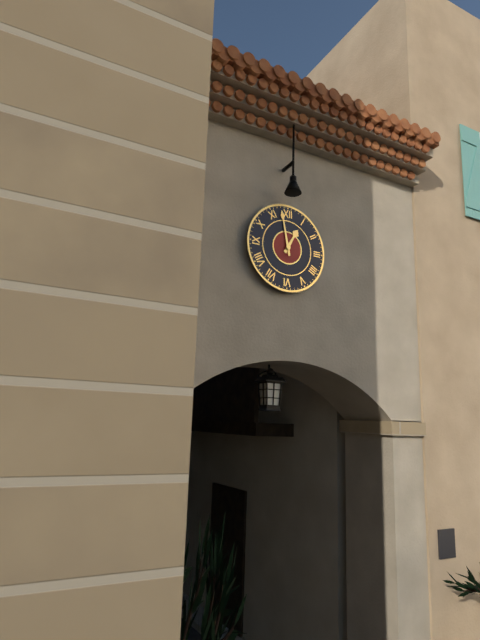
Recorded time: 12h58
